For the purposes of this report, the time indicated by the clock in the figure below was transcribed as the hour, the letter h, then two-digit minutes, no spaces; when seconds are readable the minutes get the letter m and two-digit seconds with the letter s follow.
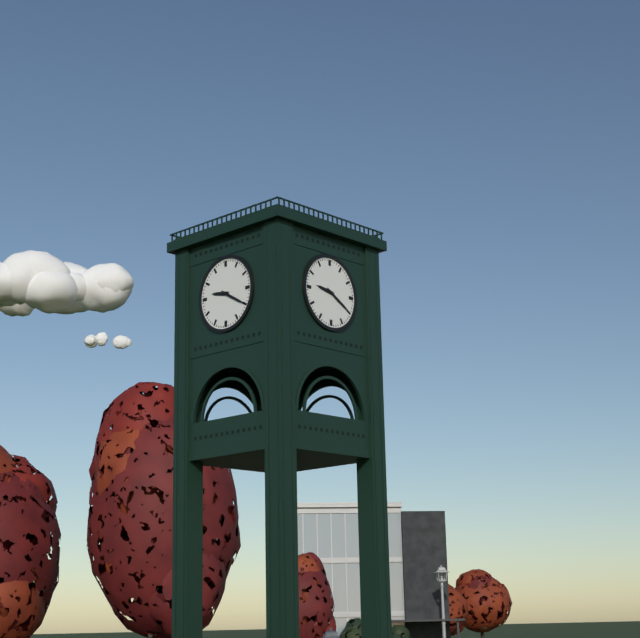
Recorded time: 9h20
